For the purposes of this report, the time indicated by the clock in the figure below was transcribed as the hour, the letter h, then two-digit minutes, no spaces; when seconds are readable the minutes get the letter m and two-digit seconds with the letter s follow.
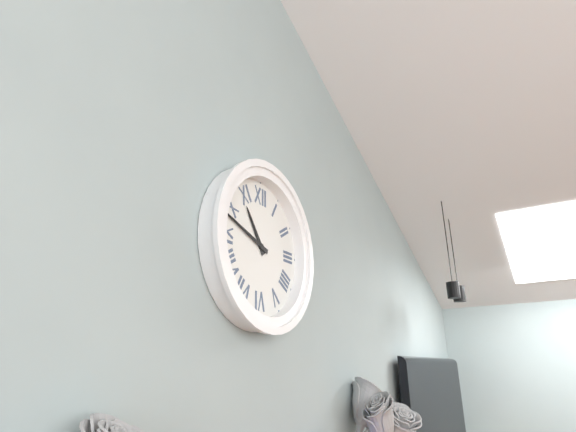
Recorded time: 10h48
